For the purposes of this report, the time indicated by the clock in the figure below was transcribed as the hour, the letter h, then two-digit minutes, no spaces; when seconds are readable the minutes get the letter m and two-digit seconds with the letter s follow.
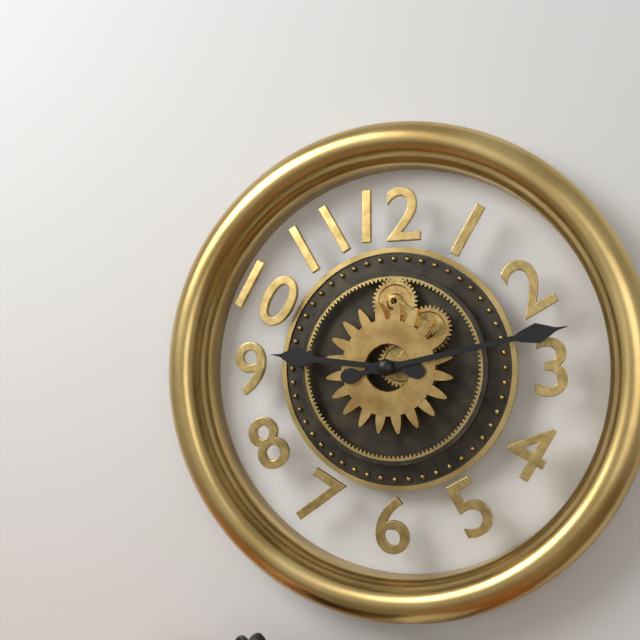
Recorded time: 9h13
